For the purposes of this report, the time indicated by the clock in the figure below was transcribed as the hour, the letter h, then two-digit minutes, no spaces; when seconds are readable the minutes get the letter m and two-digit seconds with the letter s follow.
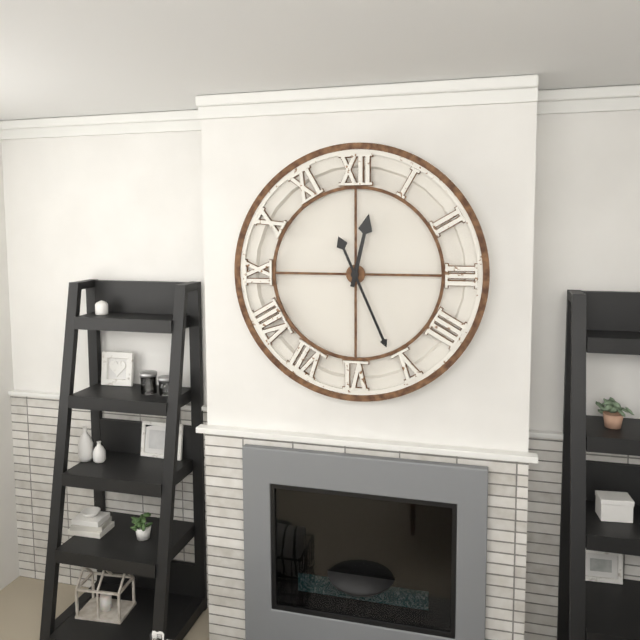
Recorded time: 12h26
